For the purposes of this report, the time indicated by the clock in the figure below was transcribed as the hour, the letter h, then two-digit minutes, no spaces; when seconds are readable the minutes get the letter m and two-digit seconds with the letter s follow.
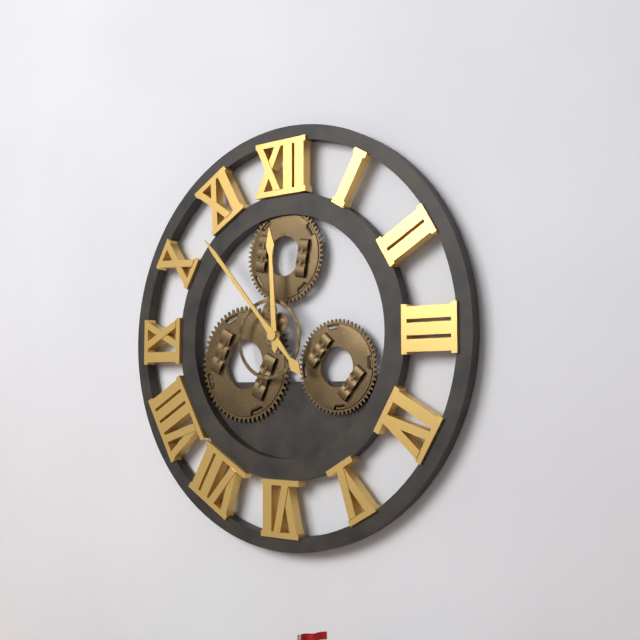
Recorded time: 11h53
